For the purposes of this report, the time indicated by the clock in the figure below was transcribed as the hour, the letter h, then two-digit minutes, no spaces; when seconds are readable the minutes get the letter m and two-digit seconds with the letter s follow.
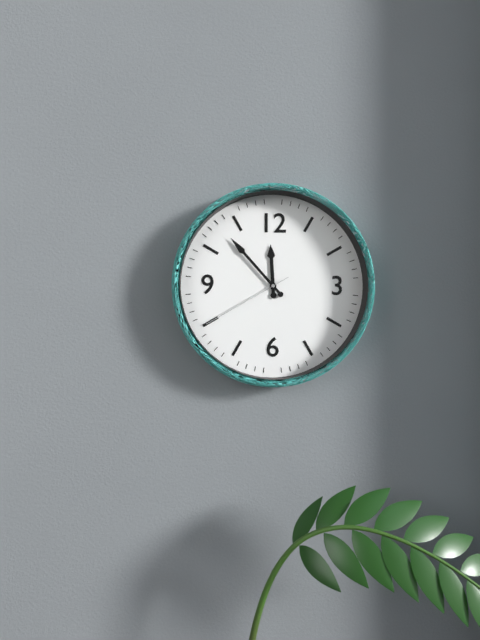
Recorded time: 11h53m40s
